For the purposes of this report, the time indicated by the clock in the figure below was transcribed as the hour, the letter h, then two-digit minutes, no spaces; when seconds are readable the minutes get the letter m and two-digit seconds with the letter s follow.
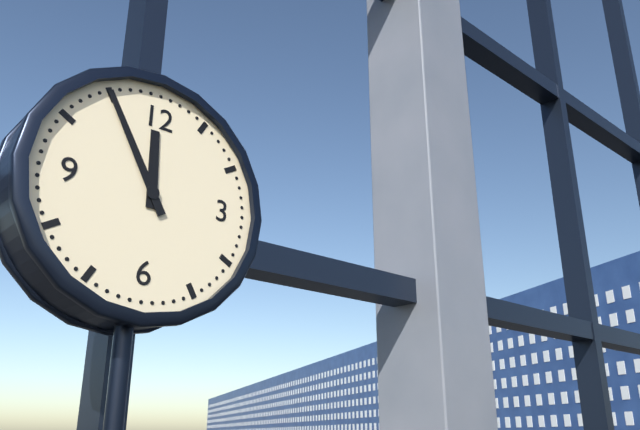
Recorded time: 11h55
